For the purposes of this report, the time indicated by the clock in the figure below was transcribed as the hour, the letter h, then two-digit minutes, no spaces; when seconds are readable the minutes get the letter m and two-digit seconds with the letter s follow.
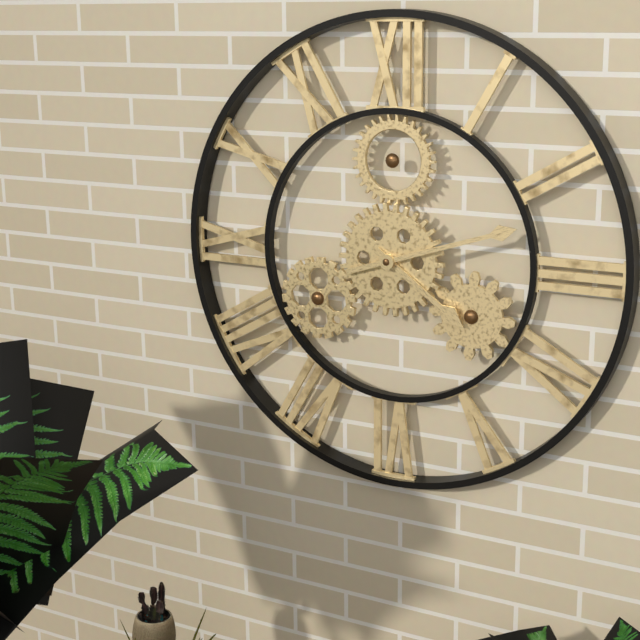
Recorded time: 4h12
